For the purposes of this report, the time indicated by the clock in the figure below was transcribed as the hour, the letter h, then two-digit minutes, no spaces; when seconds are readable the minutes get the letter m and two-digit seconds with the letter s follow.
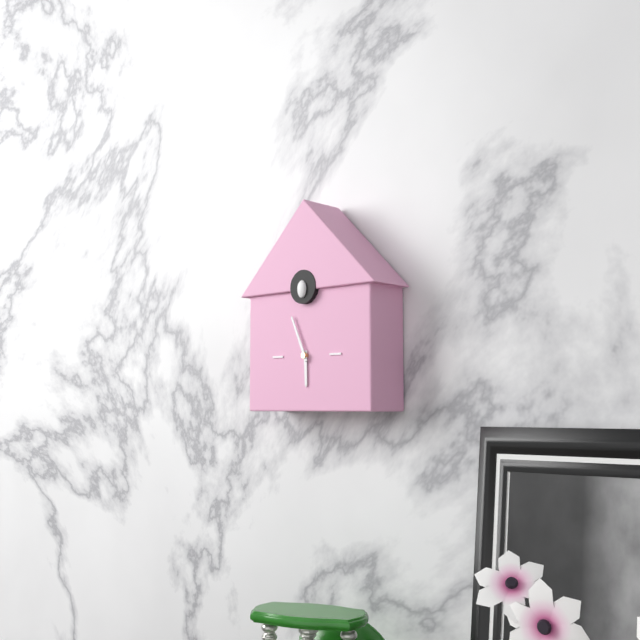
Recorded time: 5h56
